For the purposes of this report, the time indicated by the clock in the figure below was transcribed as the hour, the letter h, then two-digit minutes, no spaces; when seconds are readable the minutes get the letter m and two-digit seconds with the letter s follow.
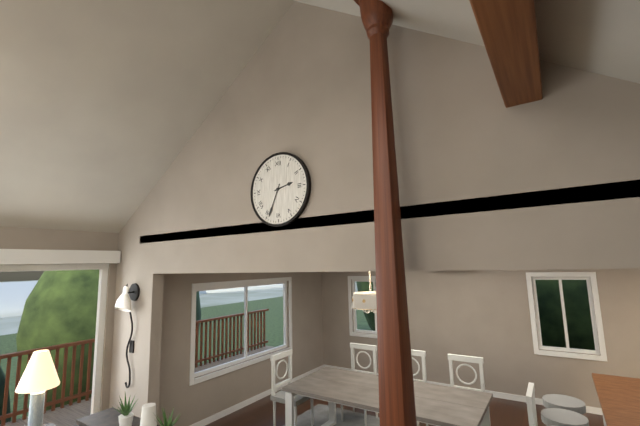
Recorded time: 2h34
